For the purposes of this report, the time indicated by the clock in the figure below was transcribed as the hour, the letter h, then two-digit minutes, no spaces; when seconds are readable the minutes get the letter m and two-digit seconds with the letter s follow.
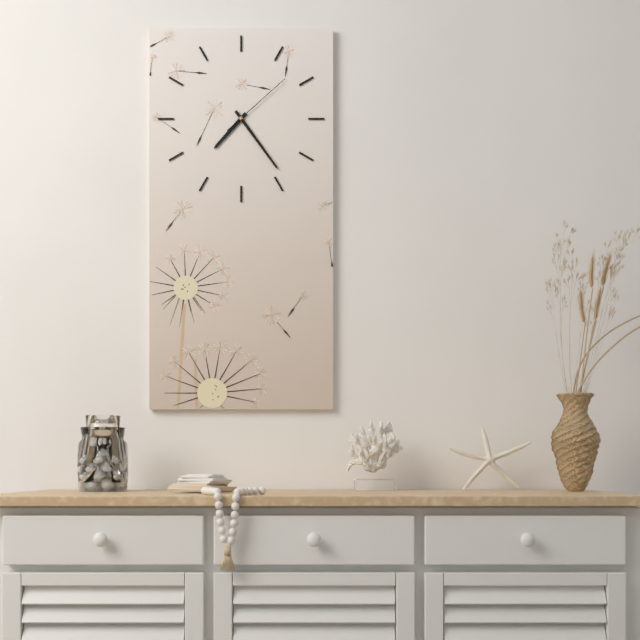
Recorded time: 7h24m08s
